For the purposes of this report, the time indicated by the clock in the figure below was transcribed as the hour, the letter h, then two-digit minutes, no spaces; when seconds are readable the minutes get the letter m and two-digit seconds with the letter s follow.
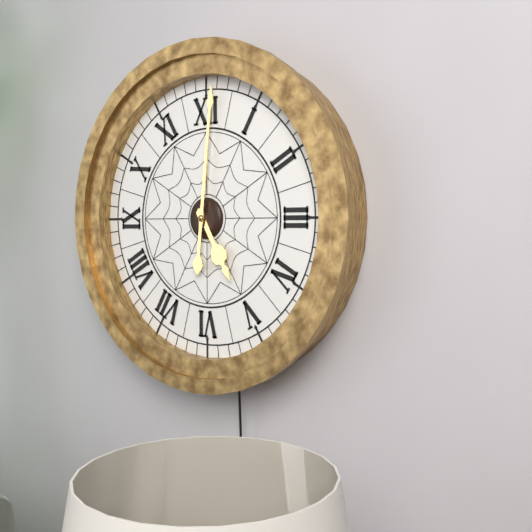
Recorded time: 5h01
